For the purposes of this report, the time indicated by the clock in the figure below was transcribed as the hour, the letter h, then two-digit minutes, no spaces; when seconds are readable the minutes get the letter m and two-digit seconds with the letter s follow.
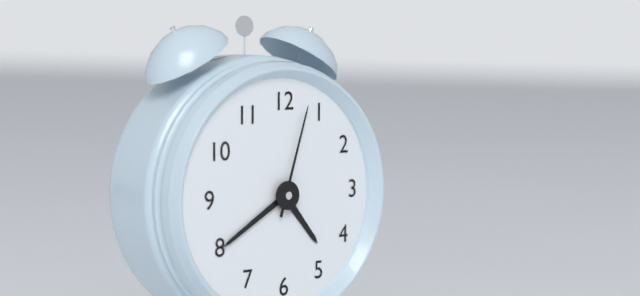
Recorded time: 4h40m03s
